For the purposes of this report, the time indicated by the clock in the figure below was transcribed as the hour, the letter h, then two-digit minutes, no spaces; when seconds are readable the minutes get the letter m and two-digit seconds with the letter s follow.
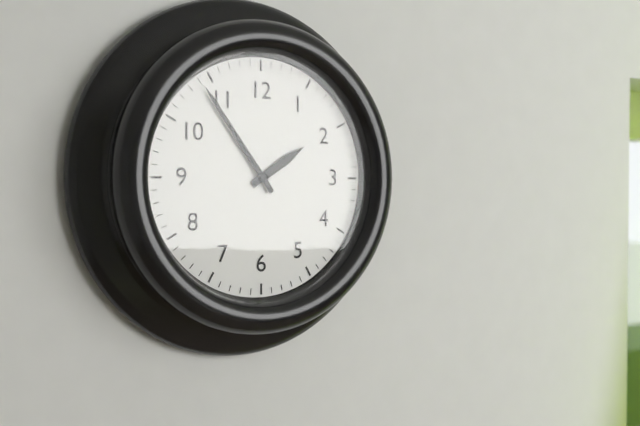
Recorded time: 1h54
